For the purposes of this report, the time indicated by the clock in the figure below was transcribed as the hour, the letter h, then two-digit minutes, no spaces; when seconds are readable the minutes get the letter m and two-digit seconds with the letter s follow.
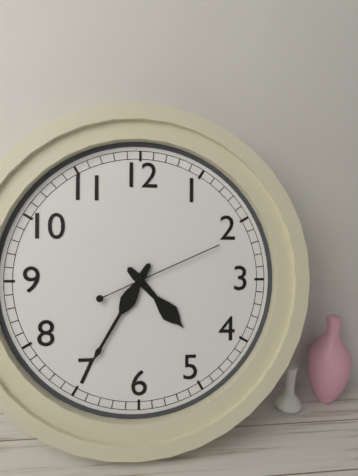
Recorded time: 4h35m11s
